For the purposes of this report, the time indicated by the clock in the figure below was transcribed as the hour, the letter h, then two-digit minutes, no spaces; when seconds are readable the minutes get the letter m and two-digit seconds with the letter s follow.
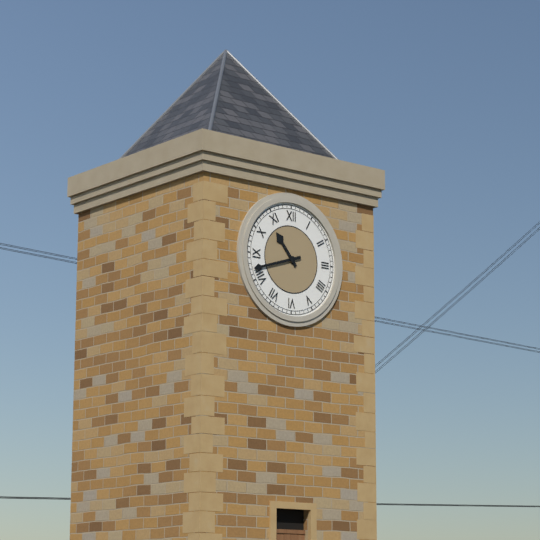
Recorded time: 10h42
